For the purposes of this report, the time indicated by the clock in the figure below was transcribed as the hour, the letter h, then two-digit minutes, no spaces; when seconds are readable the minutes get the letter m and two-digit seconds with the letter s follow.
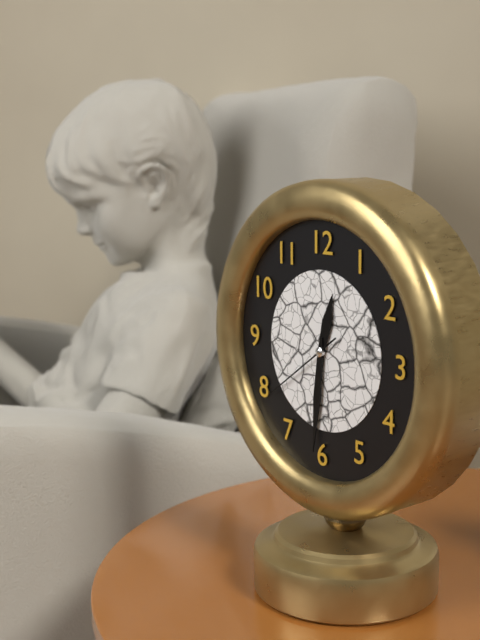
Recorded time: 12h31m39s
